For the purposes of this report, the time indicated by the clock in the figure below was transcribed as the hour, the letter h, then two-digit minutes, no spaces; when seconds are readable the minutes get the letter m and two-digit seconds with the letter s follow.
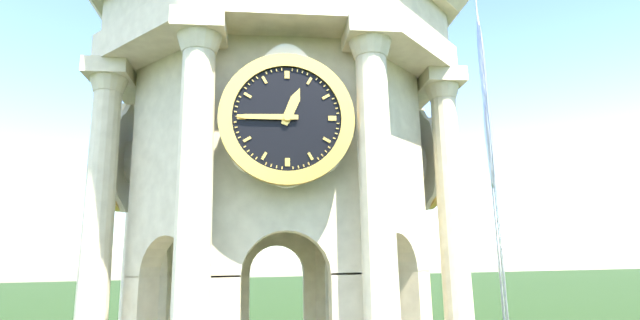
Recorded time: 12h45
